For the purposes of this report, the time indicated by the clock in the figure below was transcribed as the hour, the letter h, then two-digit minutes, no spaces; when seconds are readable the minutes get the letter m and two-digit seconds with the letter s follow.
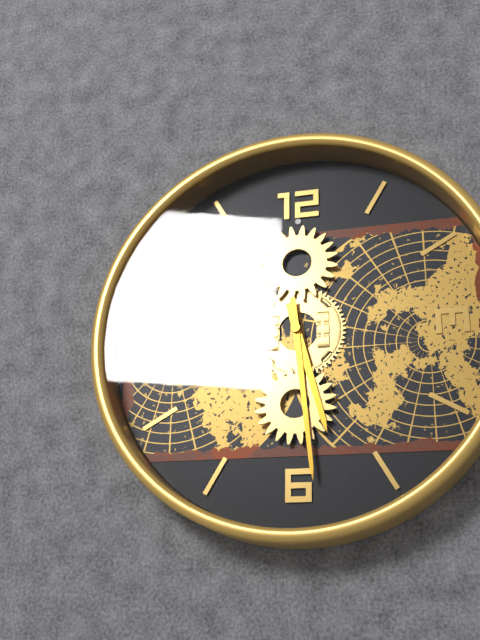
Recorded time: 5h29
